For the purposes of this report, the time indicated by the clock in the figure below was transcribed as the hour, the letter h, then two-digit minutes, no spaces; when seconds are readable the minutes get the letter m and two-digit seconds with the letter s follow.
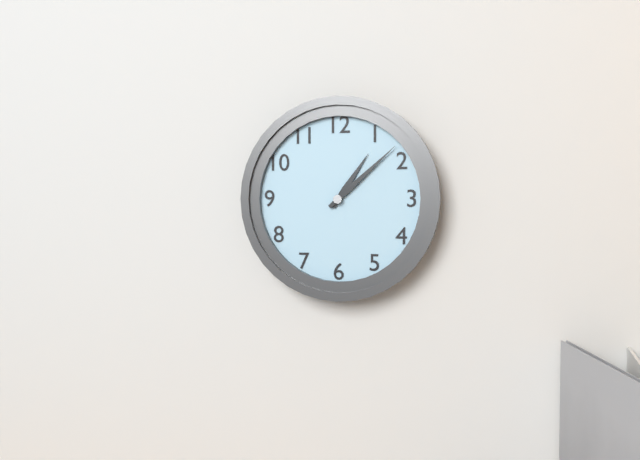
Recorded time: 1h08
